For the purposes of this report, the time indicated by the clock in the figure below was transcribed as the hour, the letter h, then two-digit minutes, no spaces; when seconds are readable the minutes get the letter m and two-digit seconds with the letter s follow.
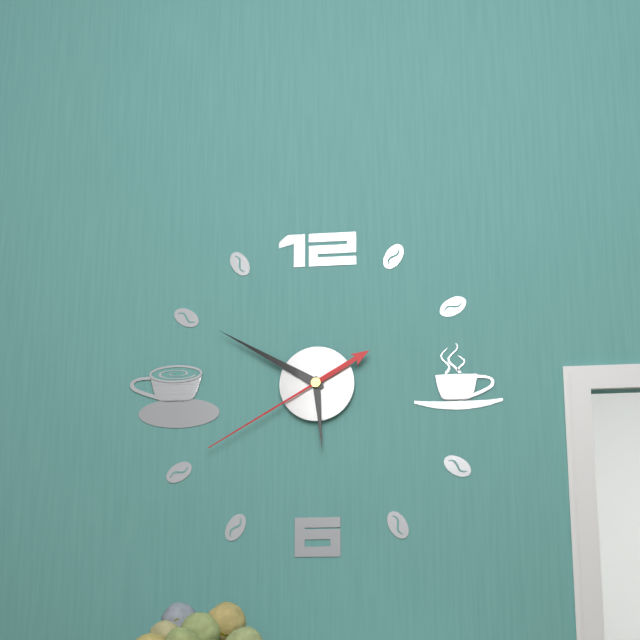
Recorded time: 5h50m40s
